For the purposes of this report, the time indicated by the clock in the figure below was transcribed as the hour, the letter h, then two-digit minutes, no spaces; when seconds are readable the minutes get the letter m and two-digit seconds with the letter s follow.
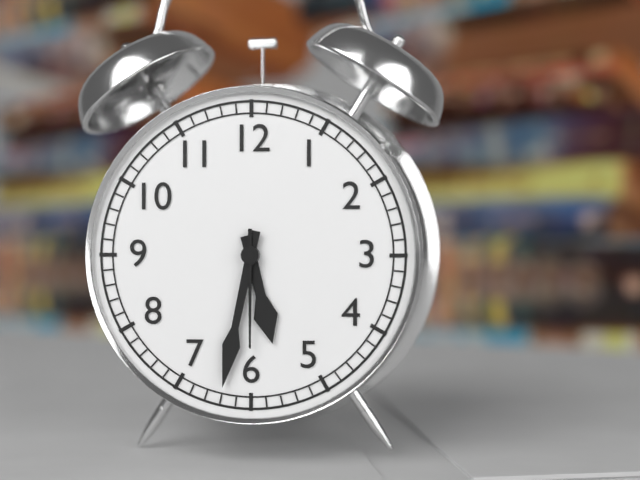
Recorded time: 5h32m30s
